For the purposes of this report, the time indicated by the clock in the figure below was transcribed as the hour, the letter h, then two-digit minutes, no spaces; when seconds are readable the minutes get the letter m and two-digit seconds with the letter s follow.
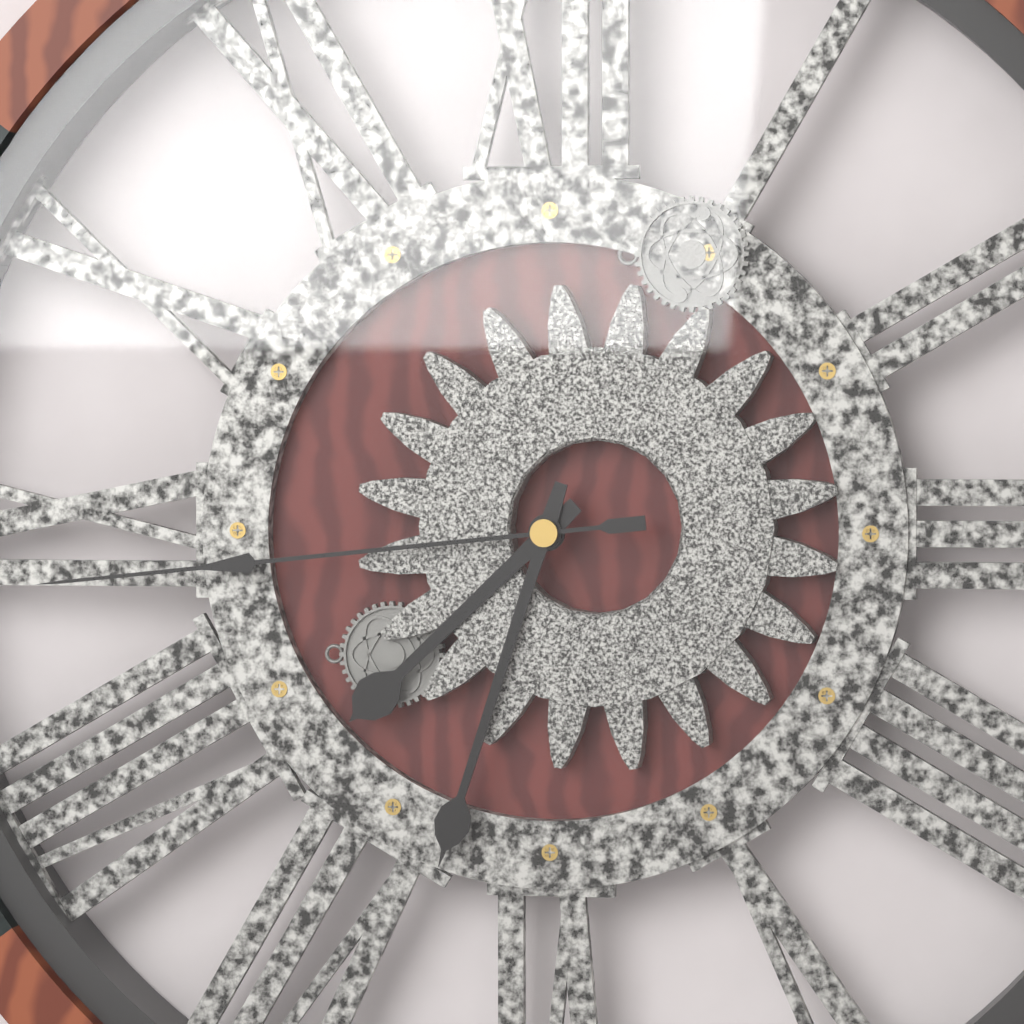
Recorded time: 7h33m44s
